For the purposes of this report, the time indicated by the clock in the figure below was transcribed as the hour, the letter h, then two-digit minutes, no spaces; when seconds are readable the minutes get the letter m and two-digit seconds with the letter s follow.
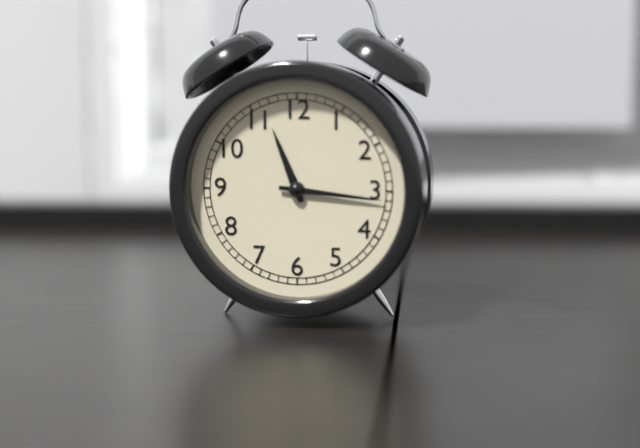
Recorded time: 11h16
